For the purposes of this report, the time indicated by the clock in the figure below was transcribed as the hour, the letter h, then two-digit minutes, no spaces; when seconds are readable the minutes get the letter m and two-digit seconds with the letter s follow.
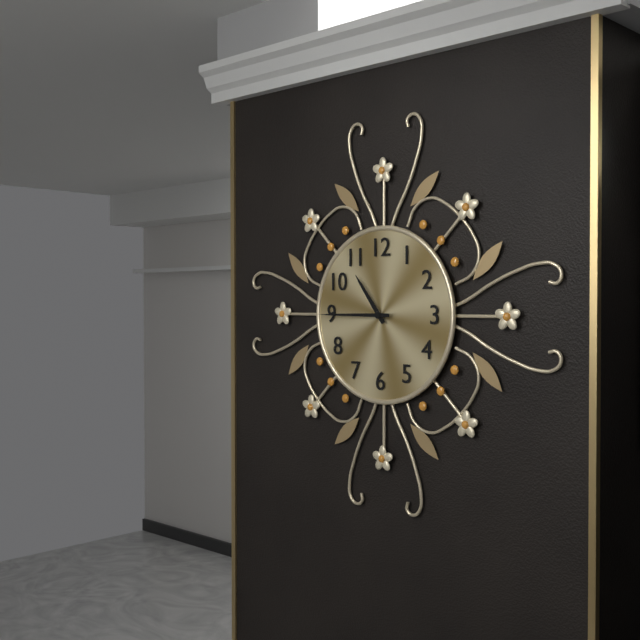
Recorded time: 10h45
